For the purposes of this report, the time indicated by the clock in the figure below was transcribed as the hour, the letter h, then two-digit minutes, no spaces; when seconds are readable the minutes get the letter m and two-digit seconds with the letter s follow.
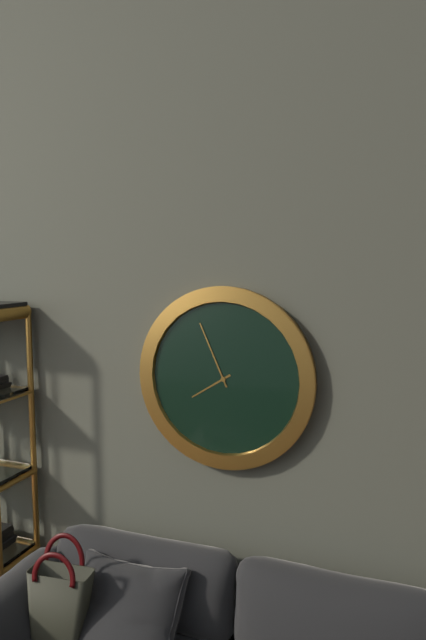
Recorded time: 7h56
